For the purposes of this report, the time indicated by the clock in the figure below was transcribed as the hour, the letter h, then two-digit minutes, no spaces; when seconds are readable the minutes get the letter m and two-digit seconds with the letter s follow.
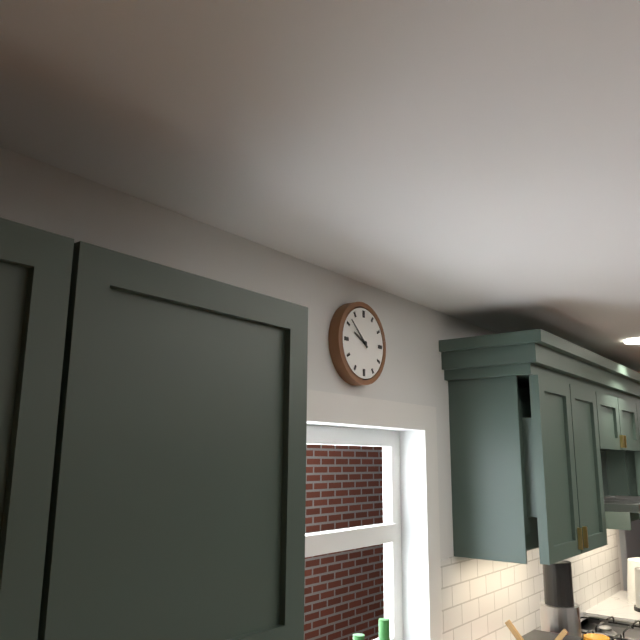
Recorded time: 9h52
